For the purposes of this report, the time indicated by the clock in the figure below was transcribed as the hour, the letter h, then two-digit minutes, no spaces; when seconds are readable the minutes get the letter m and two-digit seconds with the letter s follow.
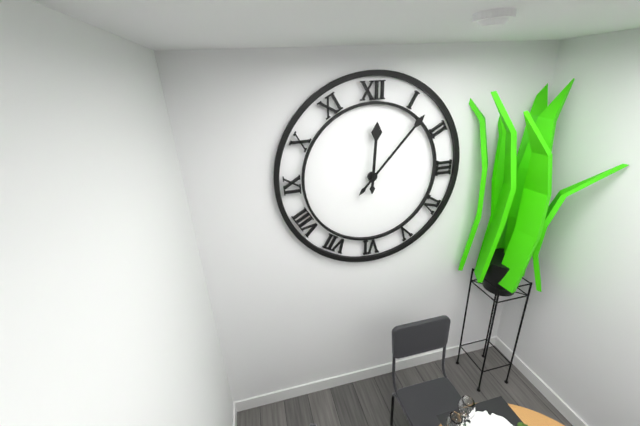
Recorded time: 12h07
